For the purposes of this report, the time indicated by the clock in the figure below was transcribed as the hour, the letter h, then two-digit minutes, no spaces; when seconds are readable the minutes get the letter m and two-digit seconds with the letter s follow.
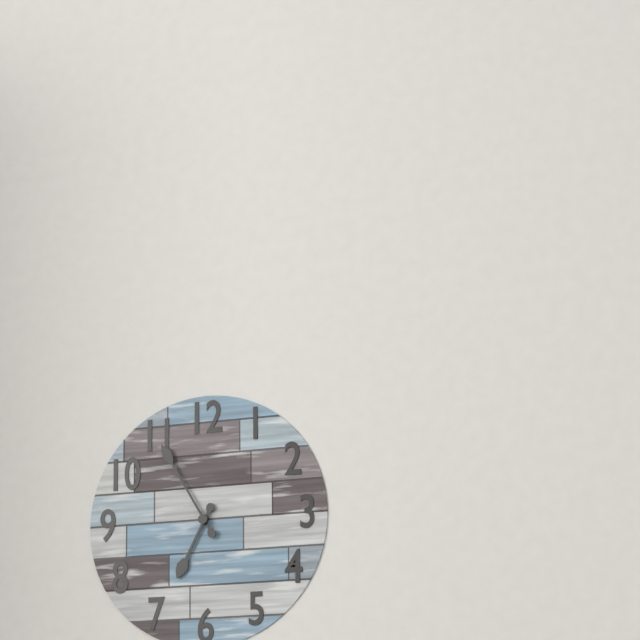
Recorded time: 6h55
